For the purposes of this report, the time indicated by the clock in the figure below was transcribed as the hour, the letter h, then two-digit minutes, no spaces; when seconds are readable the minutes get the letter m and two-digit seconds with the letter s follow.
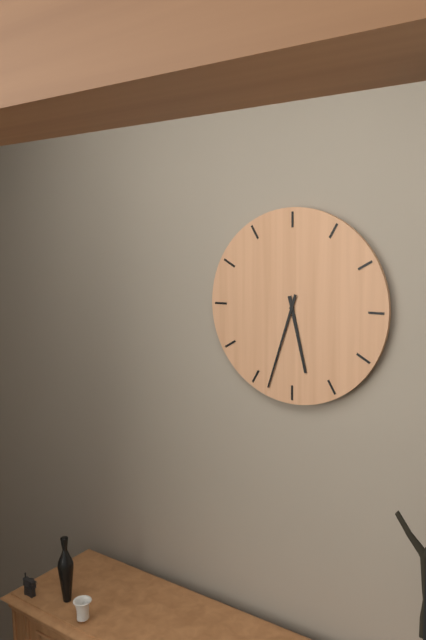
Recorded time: 5h33
